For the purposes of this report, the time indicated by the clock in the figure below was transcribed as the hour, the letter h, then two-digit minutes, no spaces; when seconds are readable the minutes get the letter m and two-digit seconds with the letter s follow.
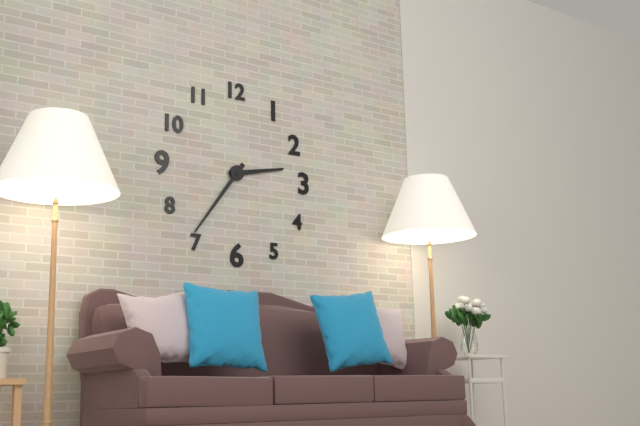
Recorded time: 2h36
